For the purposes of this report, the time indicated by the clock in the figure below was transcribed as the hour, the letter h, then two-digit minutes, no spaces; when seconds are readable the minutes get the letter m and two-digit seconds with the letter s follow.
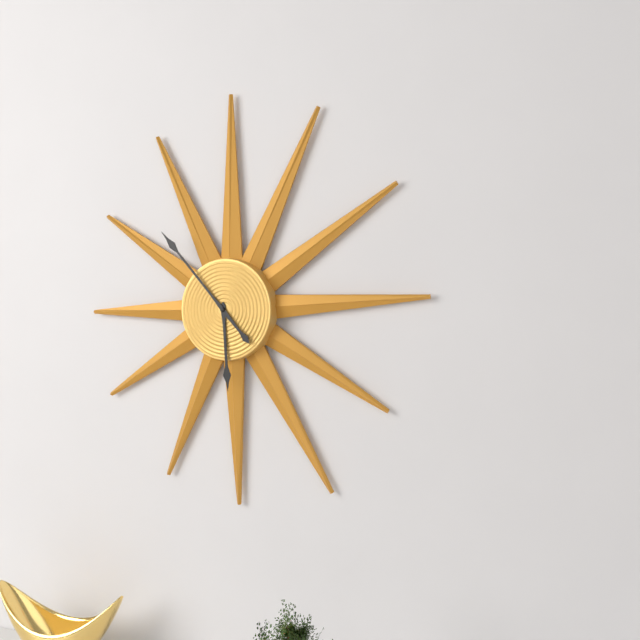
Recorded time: 5h53
